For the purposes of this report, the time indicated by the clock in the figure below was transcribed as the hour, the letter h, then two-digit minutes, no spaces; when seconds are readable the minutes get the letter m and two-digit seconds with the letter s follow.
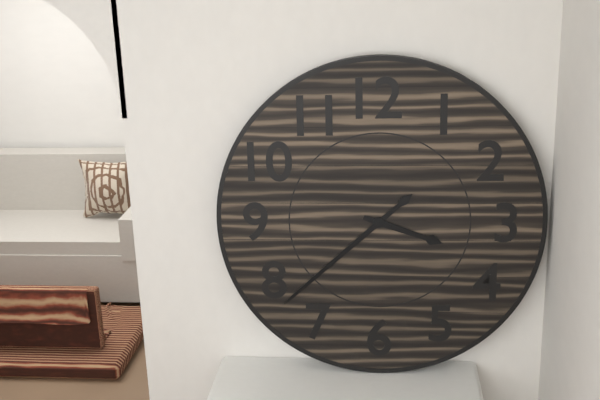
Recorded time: 3h38
